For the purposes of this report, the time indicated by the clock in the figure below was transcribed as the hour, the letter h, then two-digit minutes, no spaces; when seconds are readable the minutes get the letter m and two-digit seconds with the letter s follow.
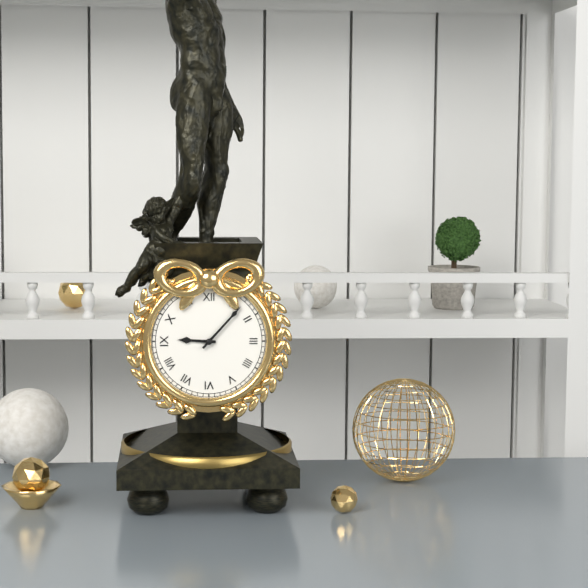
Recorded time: 9h07
